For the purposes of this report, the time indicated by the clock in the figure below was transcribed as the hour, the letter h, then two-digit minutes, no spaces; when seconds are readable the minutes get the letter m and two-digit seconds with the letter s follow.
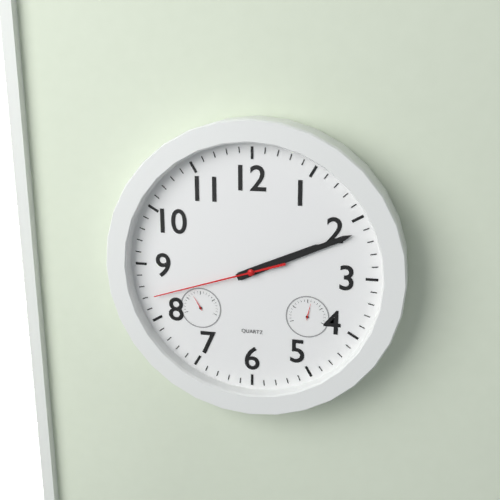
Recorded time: 2h11m42s
